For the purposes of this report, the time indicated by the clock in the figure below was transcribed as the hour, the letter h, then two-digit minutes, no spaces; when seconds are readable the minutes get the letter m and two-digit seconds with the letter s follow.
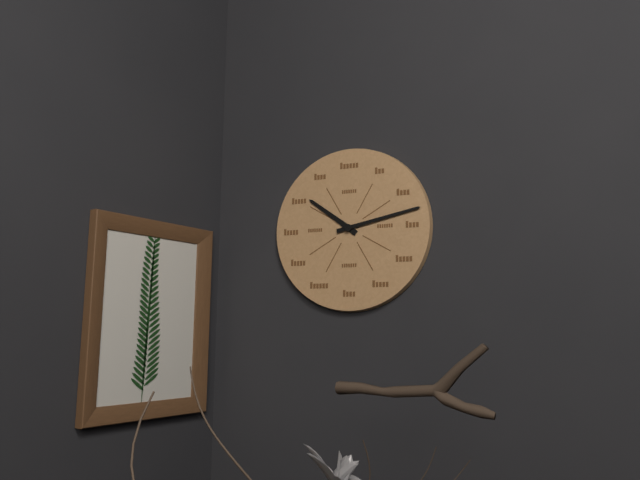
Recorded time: 10h13
